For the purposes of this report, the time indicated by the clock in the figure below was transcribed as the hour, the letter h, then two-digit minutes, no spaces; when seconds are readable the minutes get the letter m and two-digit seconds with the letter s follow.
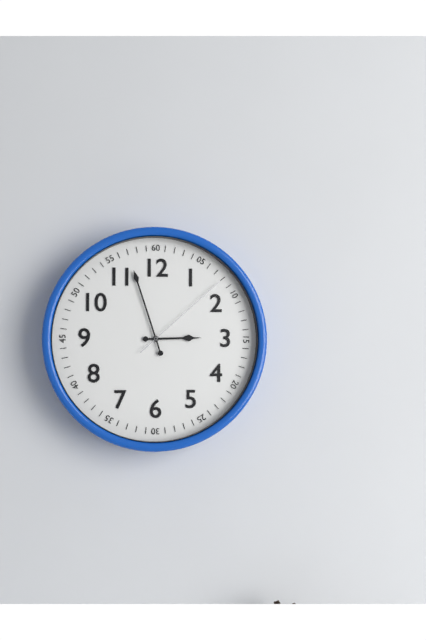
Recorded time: 2h57m08s
